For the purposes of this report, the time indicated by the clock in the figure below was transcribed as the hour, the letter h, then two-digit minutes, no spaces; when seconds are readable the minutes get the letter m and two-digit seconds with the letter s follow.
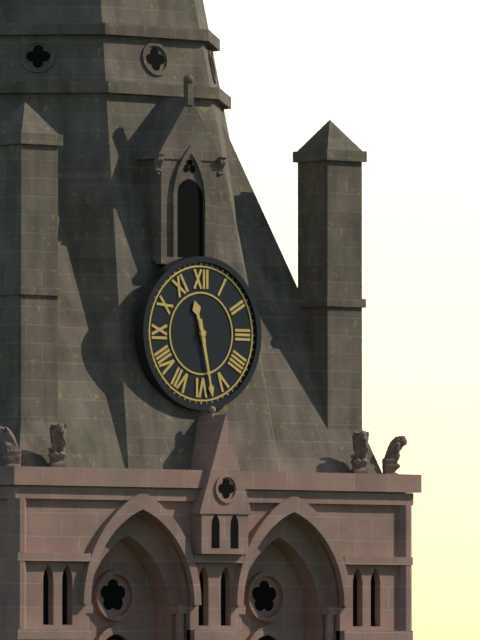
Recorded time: 11h28
